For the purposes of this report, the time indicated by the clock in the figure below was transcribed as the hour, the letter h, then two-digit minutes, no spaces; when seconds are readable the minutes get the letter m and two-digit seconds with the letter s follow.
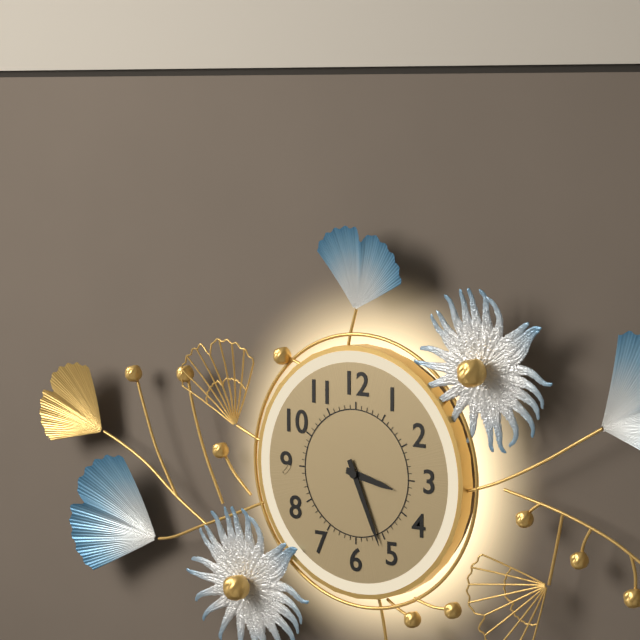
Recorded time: 3h26
